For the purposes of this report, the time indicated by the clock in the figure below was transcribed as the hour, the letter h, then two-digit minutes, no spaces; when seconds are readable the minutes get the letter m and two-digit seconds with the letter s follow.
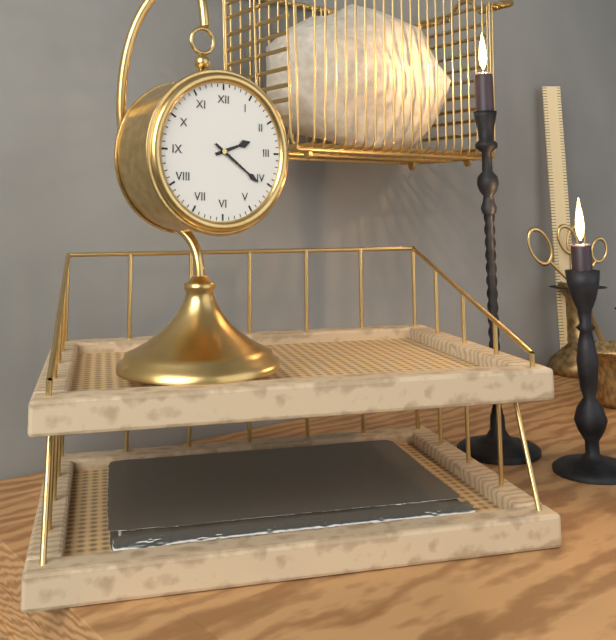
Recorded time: 2h21
